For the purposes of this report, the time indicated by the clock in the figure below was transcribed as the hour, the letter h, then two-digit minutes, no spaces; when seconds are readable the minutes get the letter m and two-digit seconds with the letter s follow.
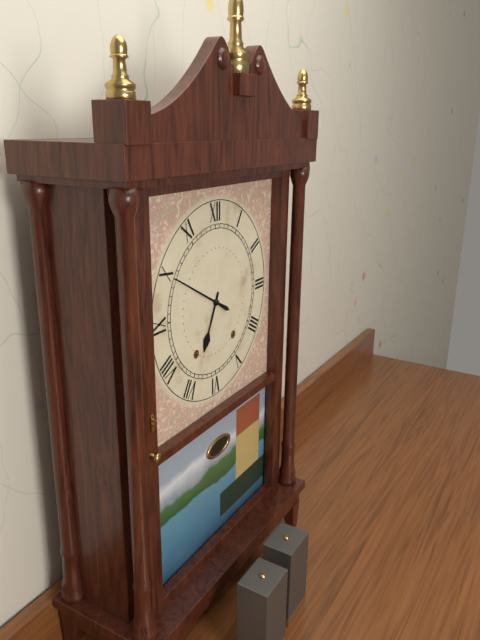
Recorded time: 6h50
